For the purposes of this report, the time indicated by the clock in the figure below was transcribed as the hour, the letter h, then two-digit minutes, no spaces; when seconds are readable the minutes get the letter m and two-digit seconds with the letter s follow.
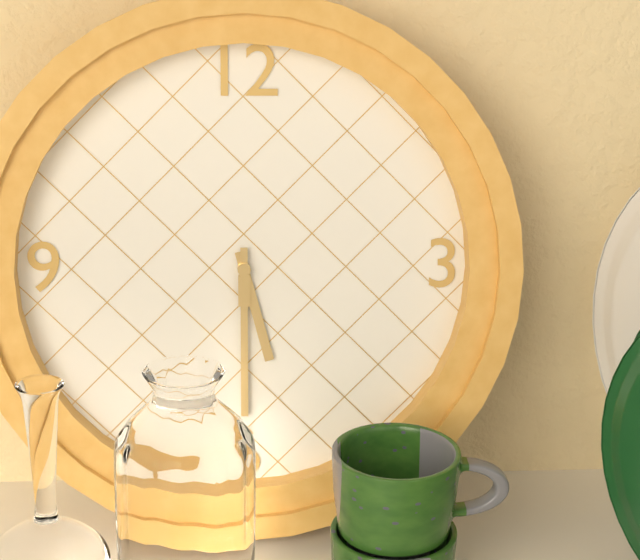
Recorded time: 5h30
